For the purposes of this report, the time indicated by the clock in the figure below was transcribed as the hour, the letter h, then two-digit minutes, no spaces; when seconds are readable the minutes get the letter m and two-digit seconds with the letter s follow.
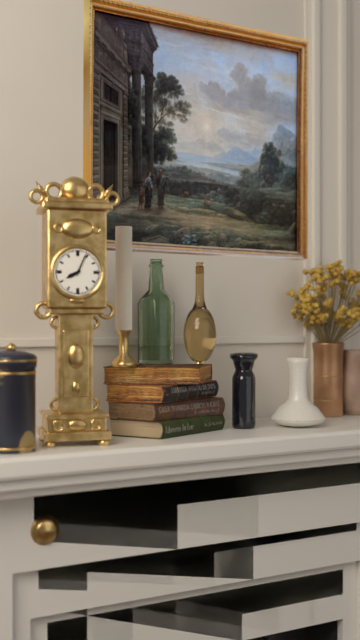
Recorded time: 8h04
